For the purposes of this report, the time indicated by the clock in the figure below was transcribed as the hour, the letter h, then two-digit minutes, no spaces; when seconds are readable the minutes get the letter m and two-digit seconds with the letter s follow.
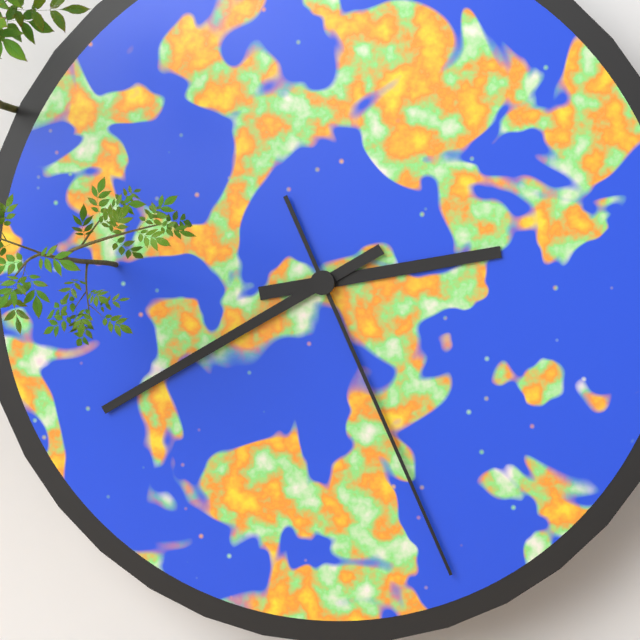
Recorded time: 2h40m26s
